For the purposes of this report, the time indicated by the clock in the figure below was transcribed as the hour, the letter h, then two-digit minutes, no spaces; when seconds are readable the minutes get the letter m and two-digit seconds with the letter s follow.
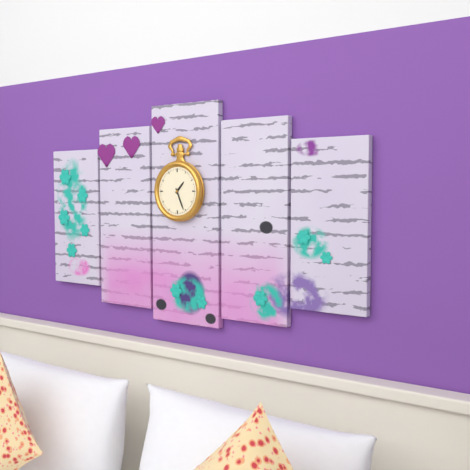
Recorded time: 1h26
